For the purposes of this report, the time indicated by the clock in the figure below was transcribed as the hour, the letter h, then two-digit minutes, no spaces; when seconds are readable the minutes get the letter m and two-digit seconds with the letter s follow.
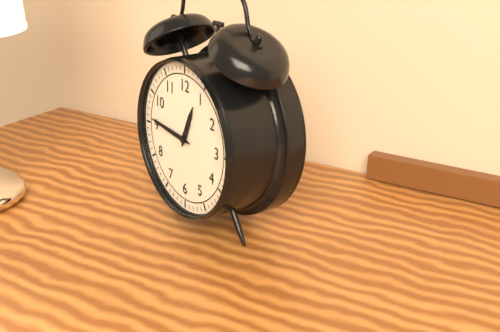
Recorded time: 12h46
